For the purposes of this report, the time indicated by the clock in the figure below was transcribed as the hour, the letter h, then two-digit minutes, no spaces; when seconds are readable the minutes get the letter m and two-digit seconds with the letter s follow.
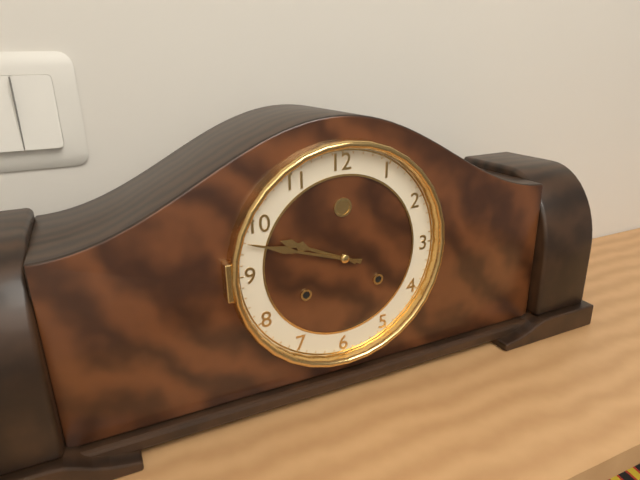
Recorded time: 9h48
